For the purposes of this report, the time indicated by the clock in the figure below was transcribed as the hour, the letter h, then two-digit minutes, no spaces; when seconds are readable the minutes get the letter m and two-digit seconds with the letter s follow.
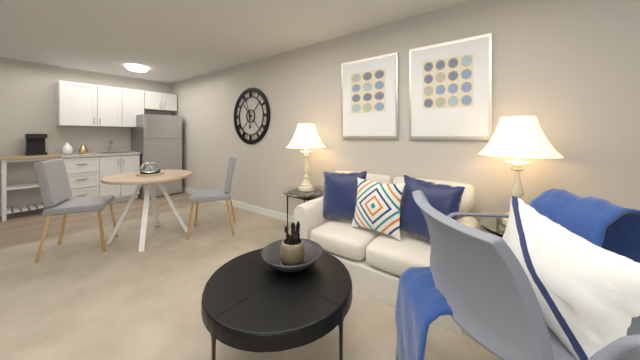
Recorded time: 5h57
